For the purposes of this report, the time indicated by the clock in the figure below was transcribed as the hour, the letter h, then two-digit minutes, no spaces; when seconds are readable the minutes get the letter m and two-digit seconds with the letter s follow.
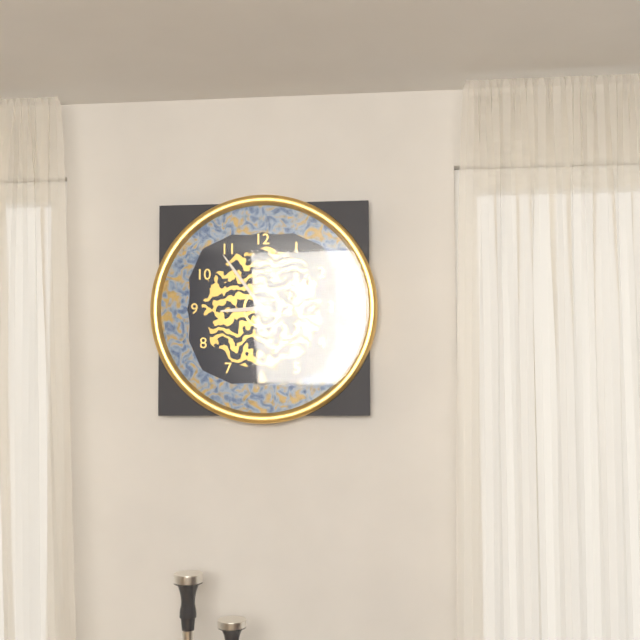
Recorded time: 8h54
